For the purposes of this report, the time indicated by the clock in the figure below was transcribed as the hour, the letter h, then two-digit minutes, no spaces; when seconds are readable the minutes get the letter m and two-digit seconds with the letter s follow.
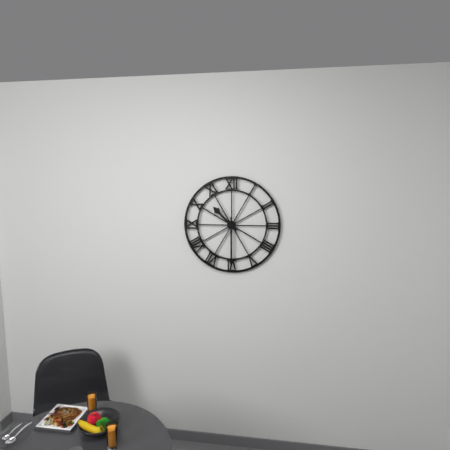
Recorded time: 10h30
